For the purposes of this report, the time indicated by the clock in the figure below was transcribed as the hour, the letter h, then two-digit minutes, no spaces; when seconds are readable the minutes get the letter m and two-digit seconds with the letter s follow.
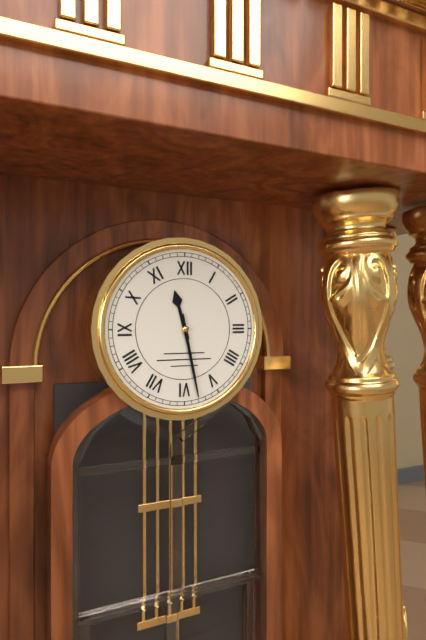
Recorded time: 11h28
